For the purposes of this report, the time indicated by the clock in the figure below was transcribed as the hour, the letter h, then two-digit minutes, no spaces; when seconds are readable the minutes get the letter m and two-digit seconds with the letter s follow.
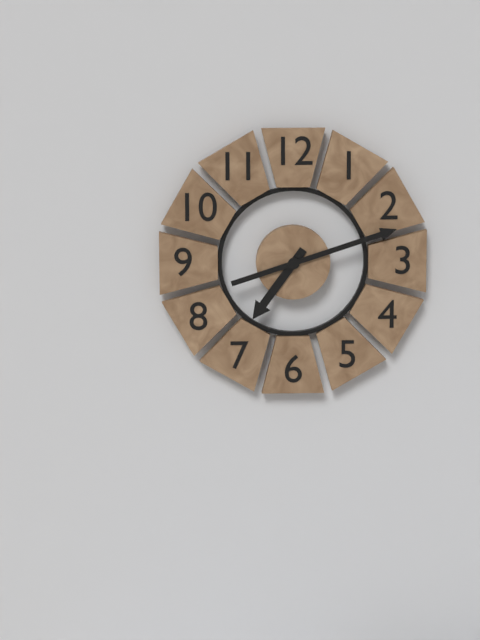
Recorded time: 7h12
